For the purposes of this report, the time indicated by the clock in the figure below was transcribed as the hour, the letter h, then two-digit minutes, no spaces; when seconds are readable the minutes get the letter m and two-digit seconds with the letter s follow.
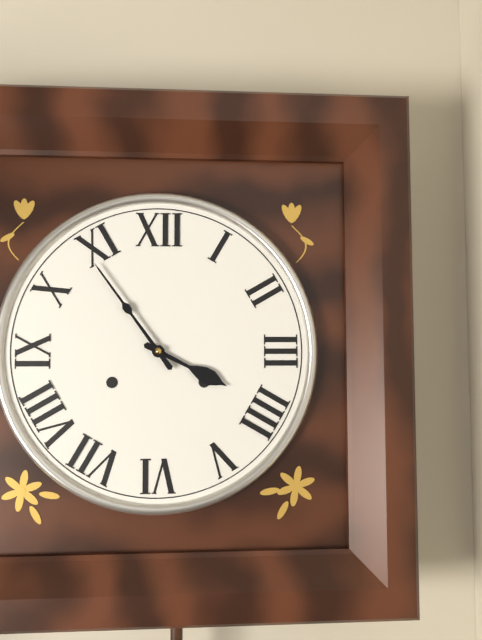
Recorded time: 3h54
